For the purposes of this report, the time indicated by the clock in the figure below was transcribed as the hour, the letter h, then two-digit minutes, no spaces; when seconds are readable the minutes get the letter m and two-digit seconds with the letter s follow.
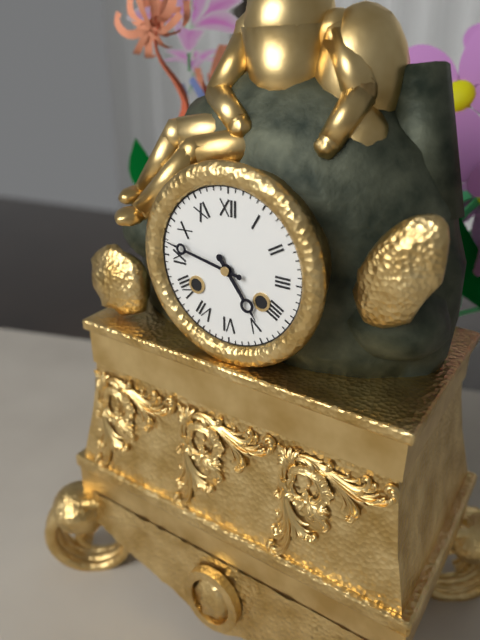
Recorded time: 4h47
